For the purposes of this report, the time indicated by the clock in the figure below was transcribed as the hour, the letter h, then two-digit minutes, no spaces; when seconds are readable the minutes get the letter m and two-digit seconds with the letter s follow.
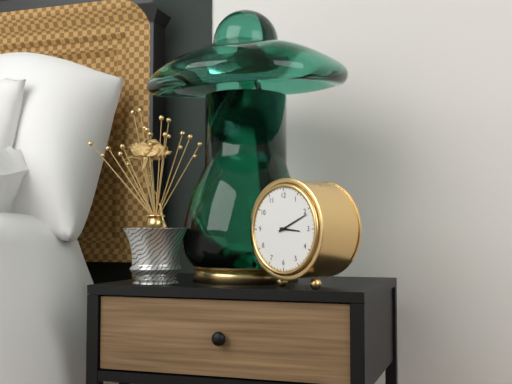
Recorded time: 3h11
